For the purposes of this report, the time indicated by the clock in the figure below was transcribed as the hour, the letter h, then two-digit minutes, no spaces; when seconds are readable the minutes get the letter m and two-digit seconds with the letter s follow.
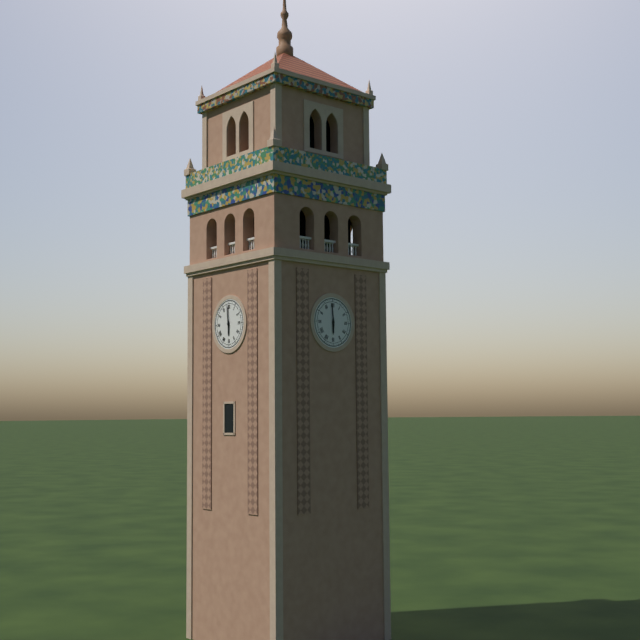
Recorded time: 5h59
